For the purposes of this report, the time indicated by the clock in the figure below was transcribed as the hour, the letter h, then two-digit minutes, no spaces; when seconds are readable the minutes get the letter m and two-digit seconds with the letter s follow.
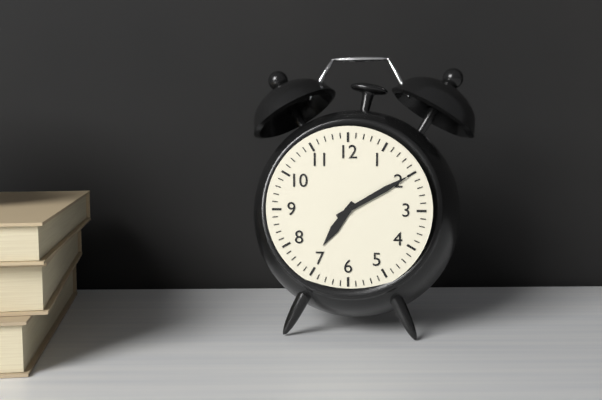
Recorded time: 7h10
